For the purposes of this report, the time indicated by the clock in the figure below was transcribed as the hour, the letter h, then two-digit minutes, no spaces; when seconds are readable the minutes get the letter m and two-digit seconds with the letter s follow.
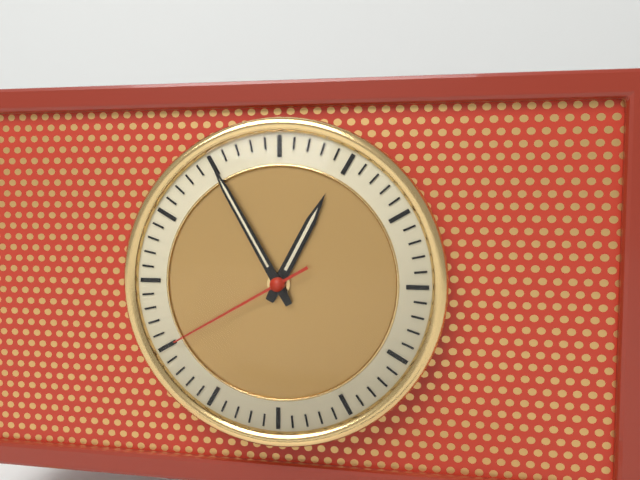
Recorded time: 12h55m40s
